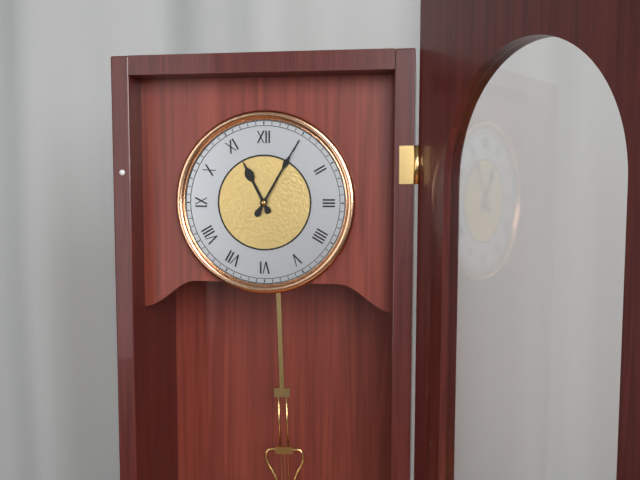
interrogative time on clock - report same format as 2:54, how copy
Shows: 11:05
